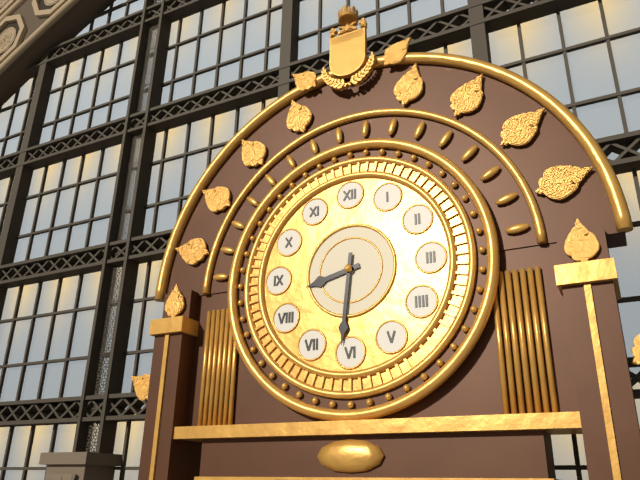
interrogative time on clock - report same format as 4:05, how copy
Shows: 8:31
